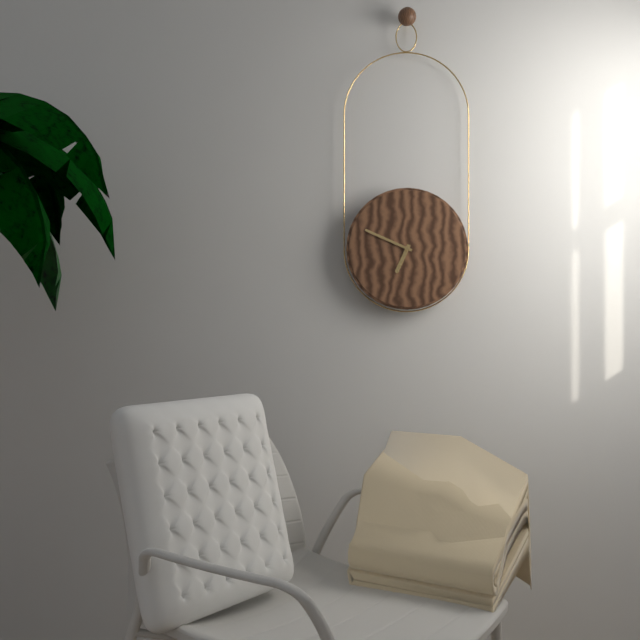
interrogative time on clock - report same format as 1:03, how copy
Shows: 6:49
